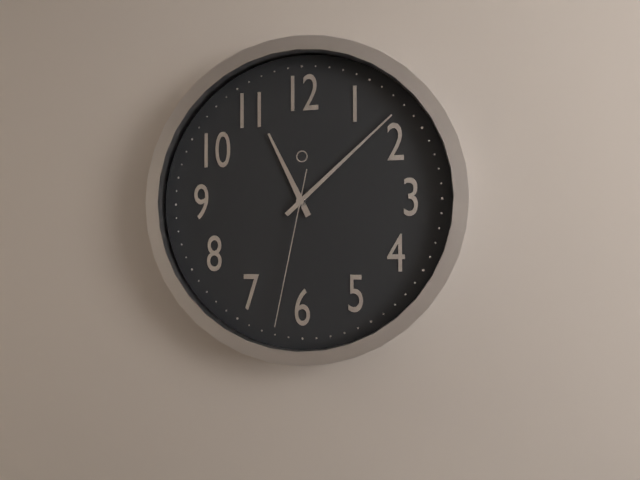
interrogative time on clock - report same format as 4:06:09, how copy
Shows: 11:08:32
